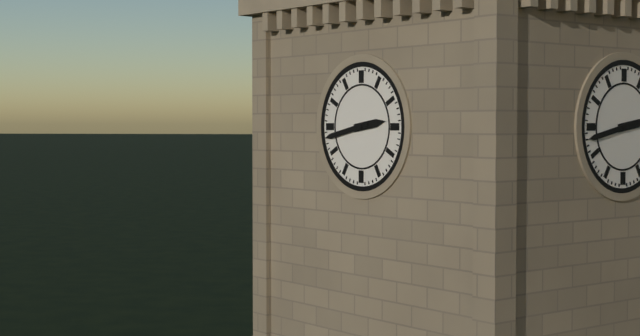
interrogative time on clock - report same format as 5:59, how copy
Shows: 2:43
